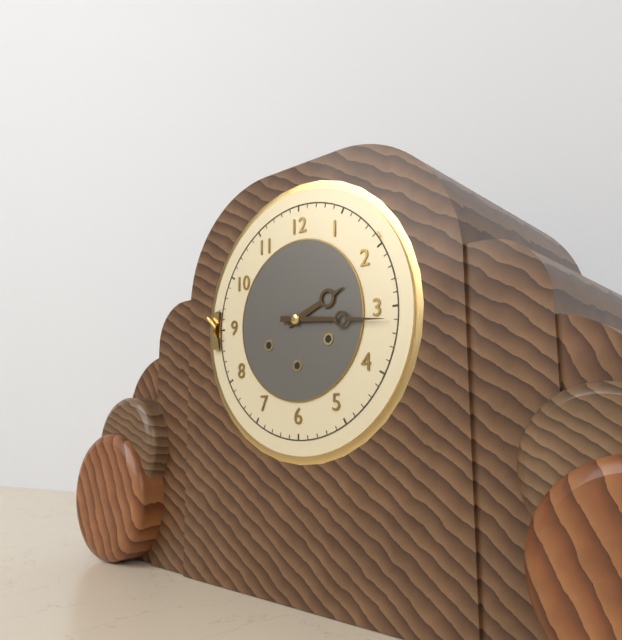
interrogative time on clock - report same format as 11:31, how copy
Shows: 2:16
